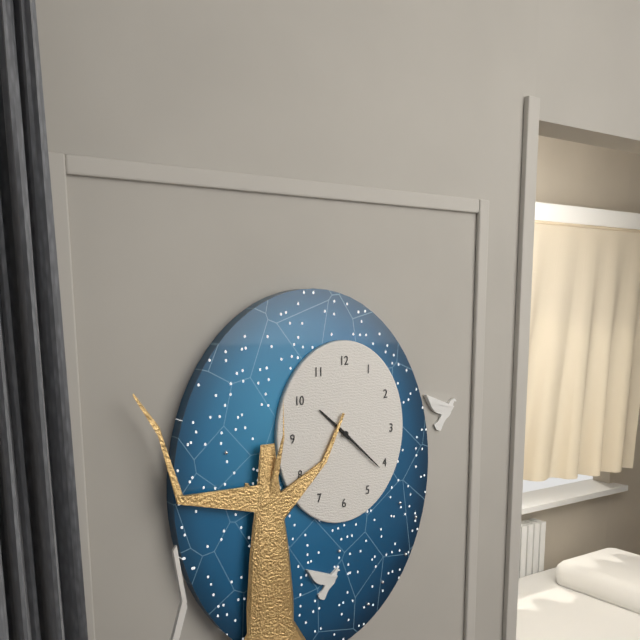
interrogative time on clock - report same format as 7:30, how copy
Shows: 10:22
